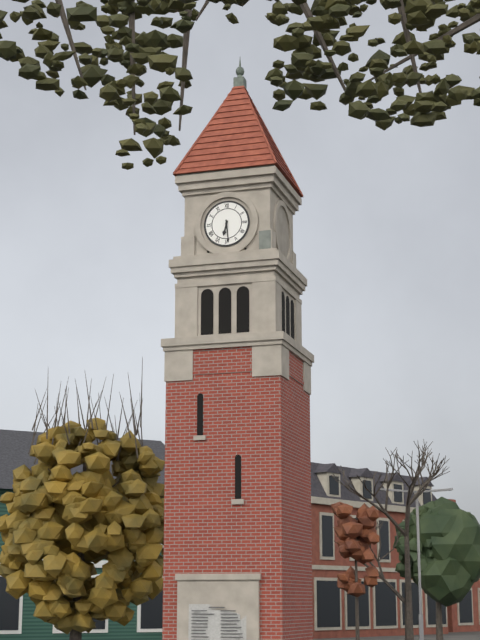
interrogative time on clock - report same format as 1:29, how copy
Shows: 6:29
